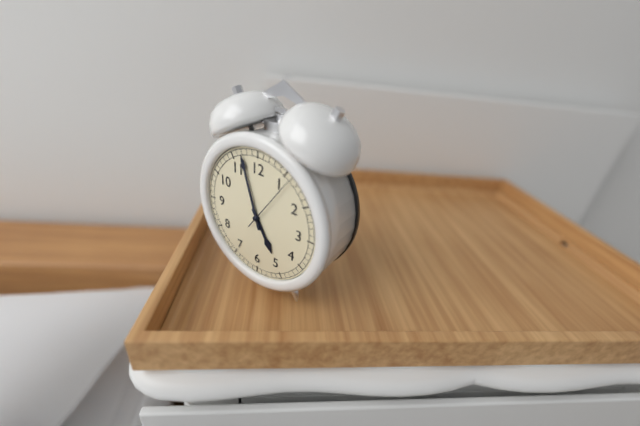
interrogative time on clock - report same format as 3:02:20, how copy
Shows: 4:57:06
